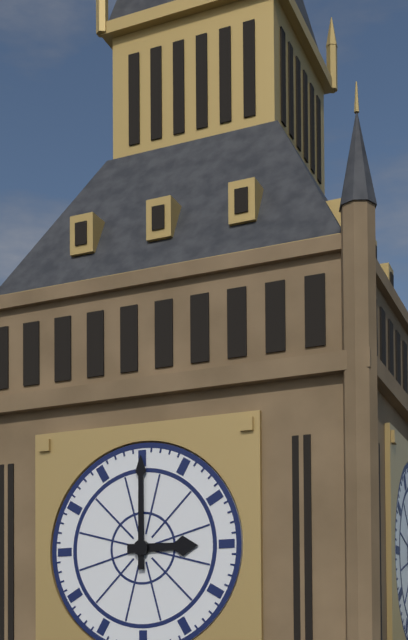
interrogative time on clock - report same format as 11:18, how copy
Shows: 3:00
